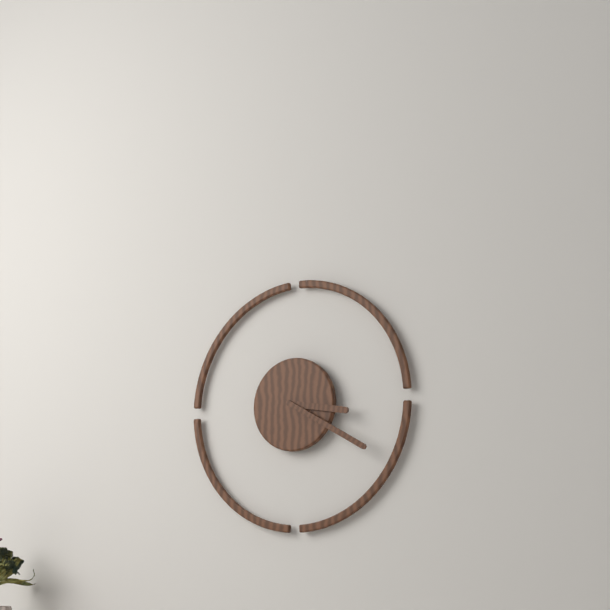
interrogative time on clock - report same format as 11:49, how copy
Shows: 3:20
